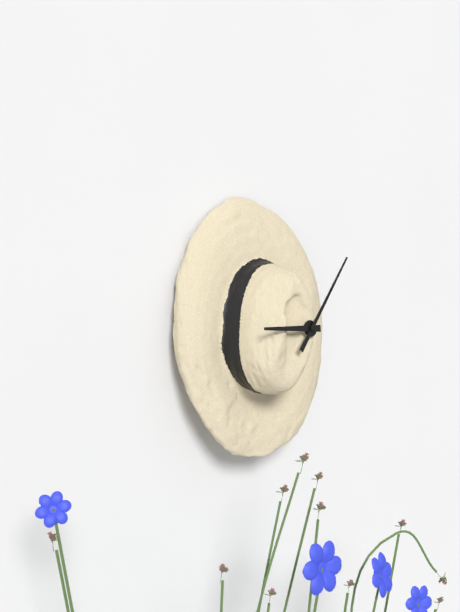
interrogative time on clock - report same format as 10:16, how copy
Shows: 9:07
